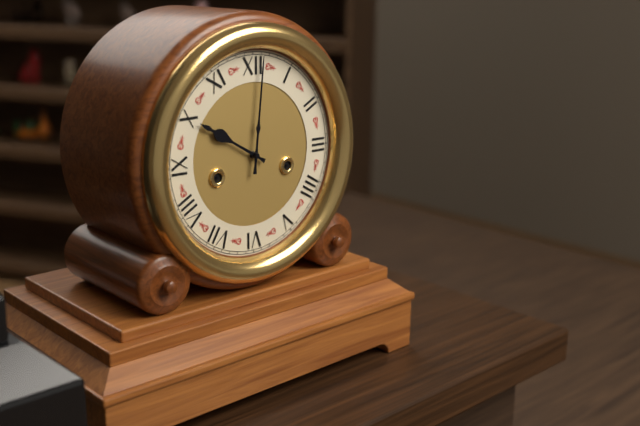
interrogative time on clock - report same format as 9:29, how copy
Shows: 10:01
